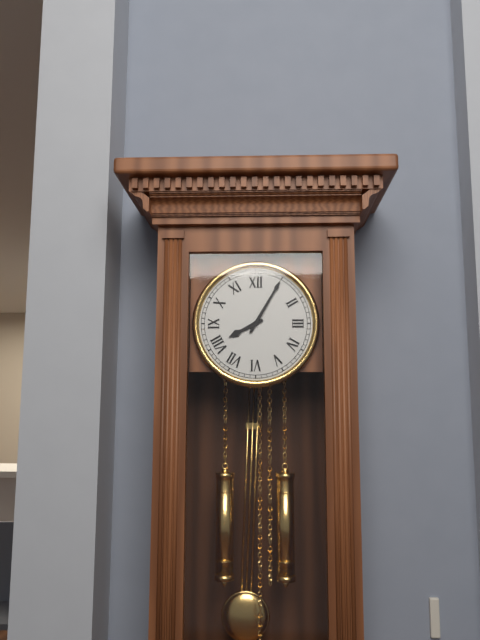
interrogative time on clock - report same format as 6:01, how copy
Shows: 8:05
